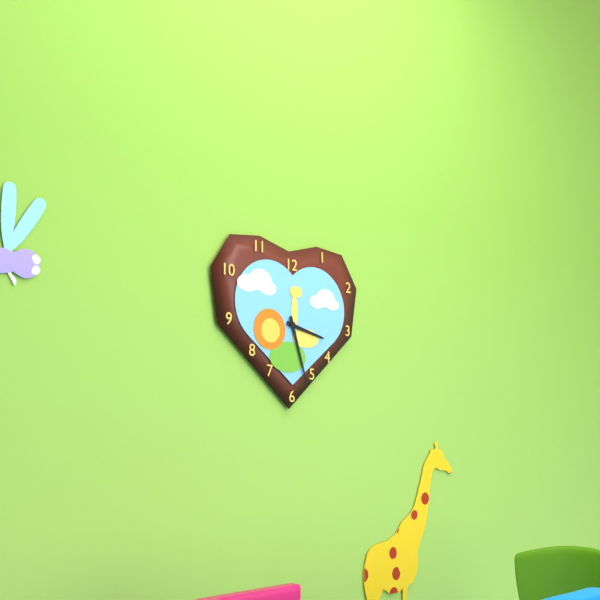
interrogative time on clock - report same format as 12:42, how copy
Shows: 3:27
